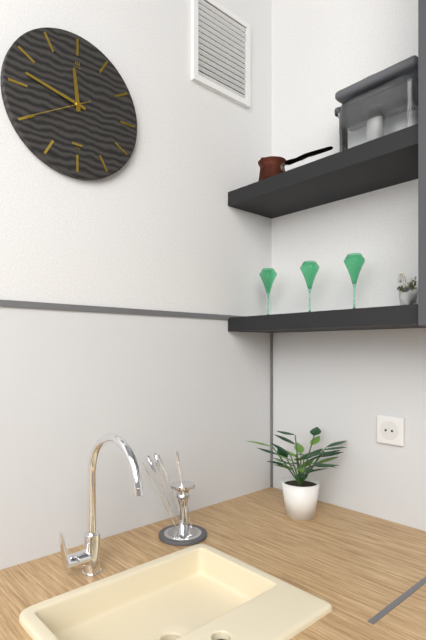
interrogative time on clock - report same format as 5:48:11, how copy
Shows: 11:47:40
